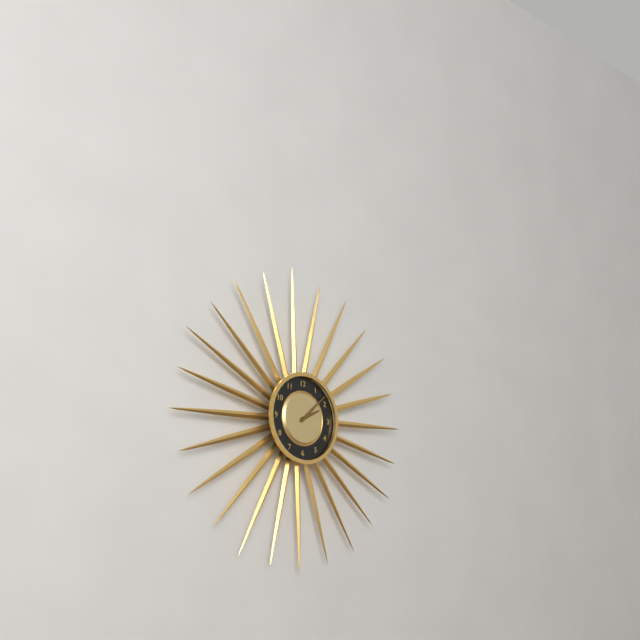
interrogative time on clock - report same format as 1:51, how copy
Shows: 2:08
